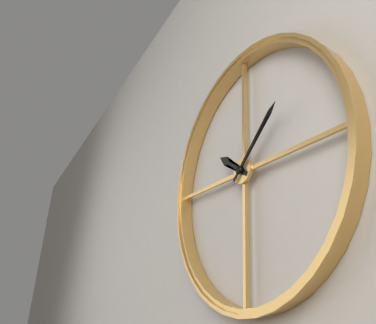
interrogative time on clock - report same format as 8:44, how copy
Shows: 10:08
